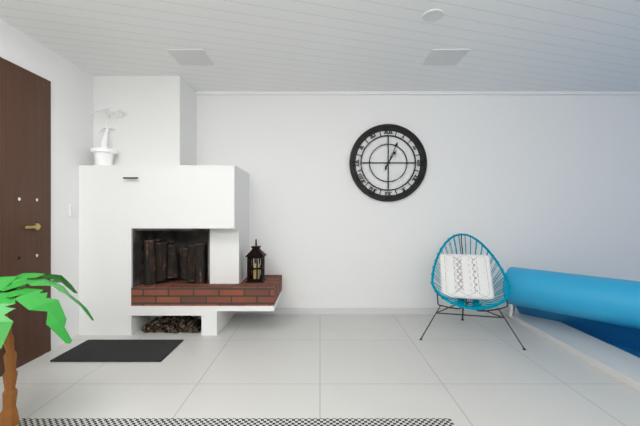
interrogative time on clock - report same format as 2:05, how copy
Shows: 1:04
